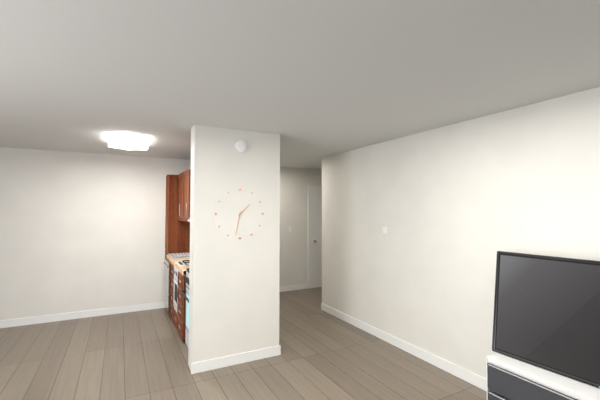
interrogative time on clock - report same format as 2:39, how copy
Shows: 1:32
